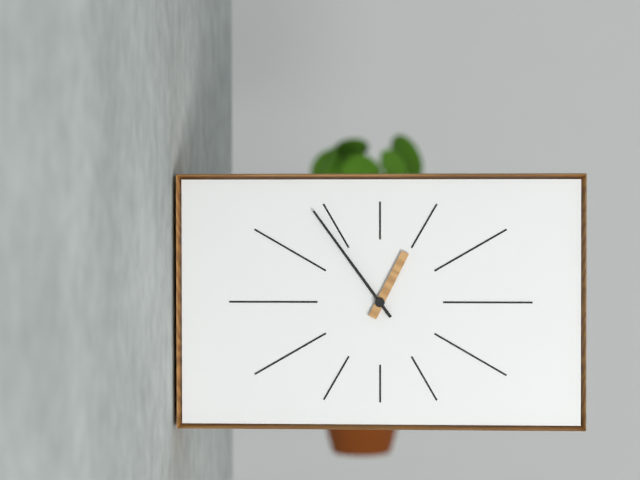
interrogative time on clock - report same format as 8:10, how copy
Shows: 12:54
